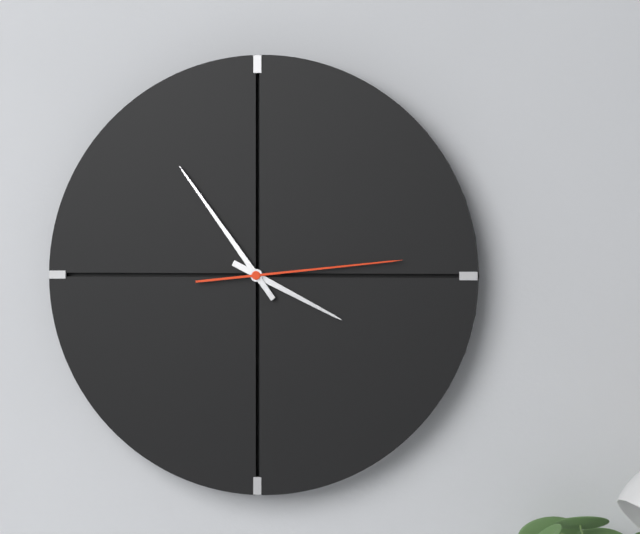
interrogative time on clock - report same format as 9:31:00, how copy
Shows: 3:54:14
